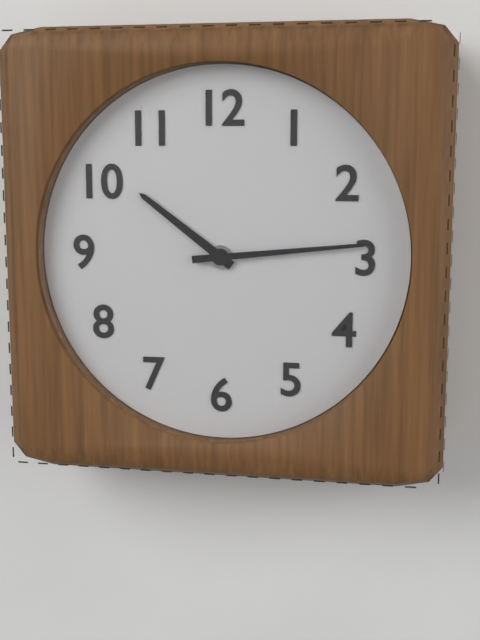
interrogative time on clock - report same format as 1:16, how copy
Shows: 10:14
